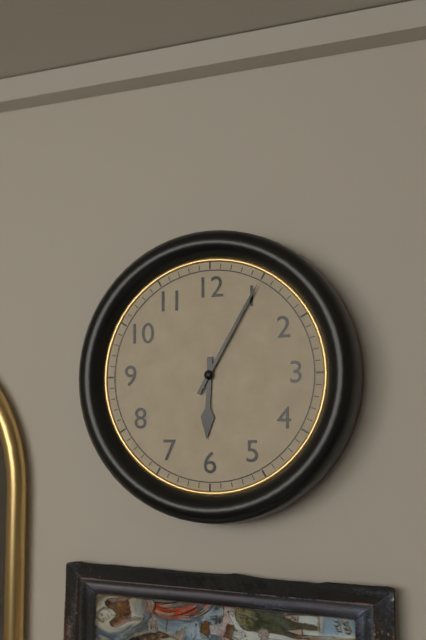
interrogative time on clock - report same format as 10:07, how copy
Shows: 6:05
